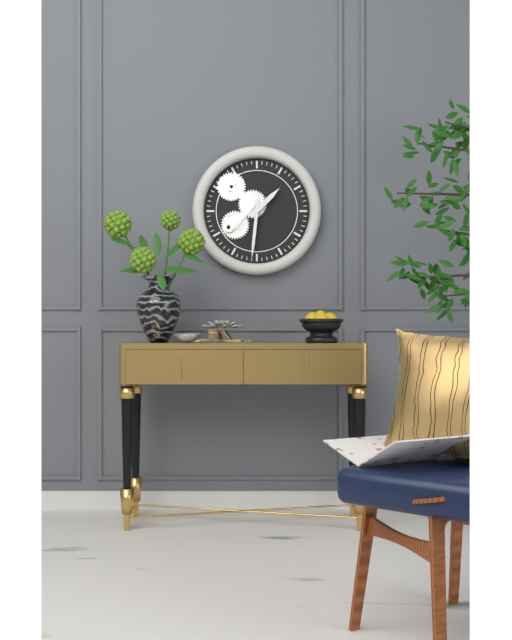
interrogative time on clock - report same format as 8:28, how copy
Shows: 1:31
